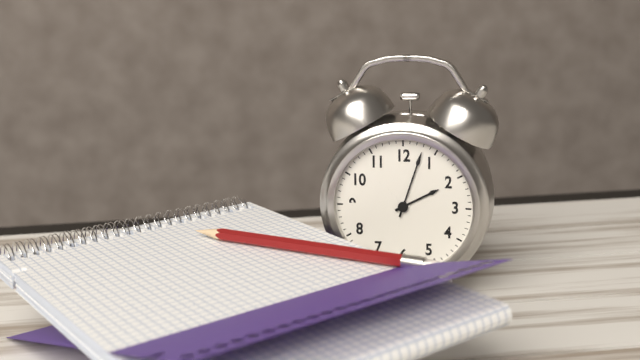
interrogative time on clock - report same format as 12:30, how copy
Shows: 2:03
